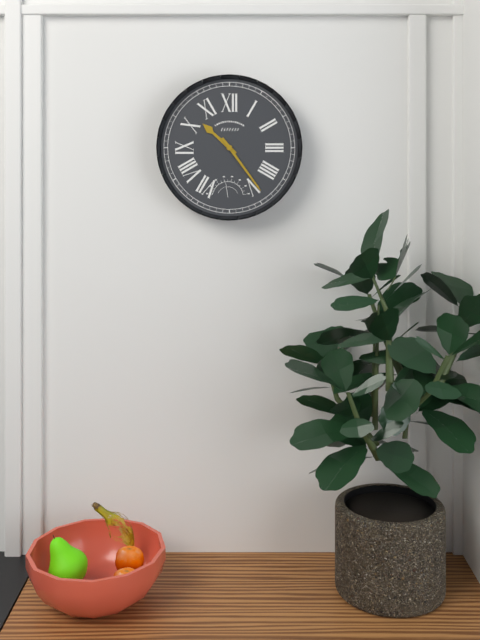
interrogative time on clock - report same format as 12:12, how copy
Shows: 10:24
